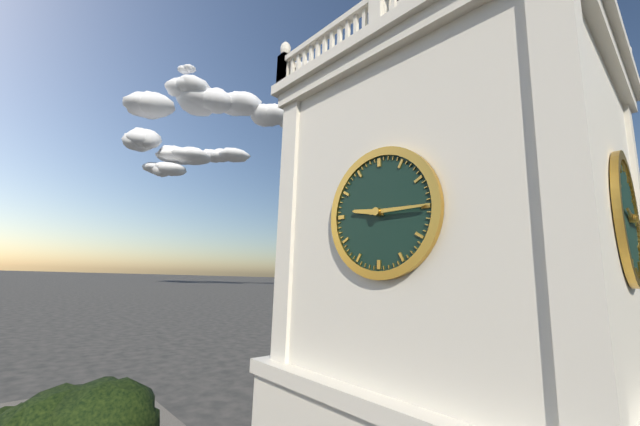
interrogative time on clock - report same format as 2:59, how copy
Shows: 9:15
